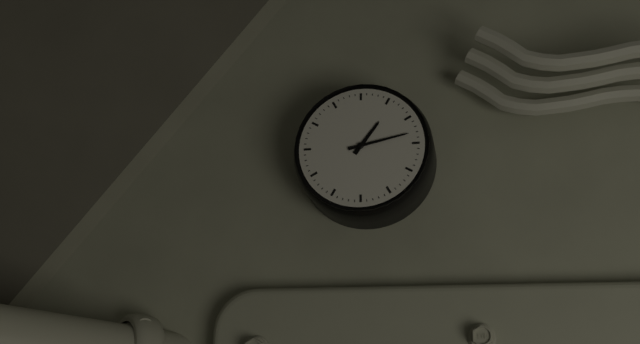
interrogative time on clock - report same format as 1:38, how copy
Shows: 1:13
